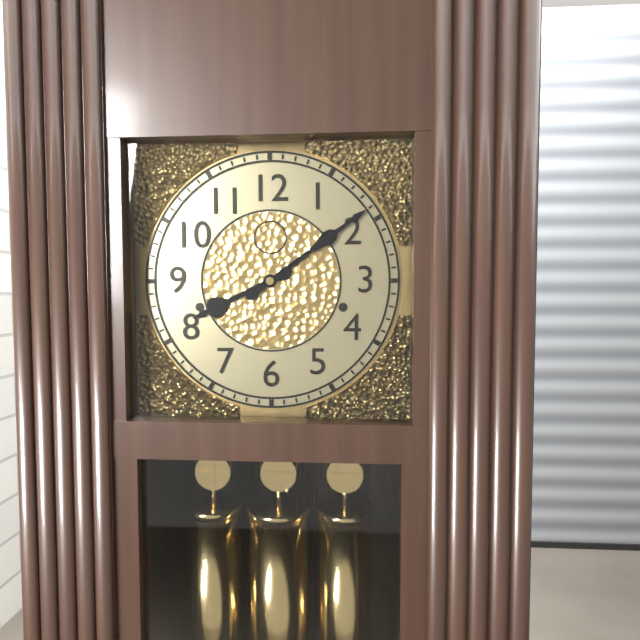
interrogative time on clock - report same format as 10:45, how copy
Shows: 8:09
